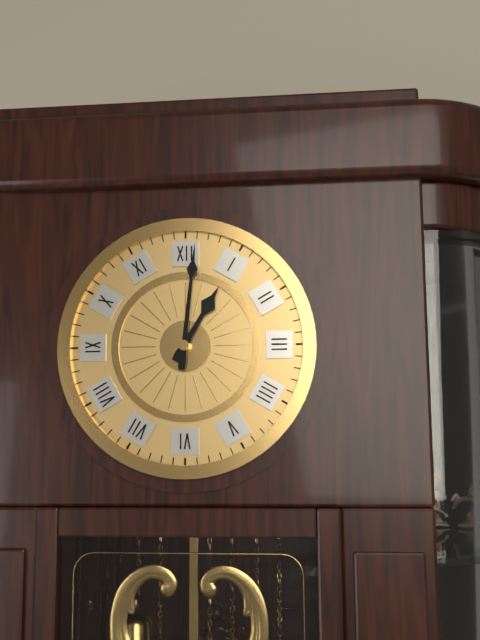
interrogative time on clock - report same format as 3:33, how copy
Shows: 1:01
